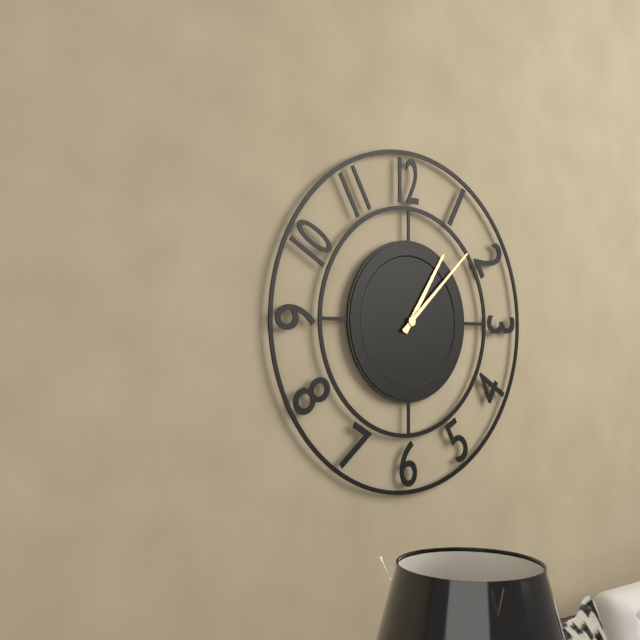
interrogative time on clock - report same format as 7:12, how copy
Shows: 1:08
